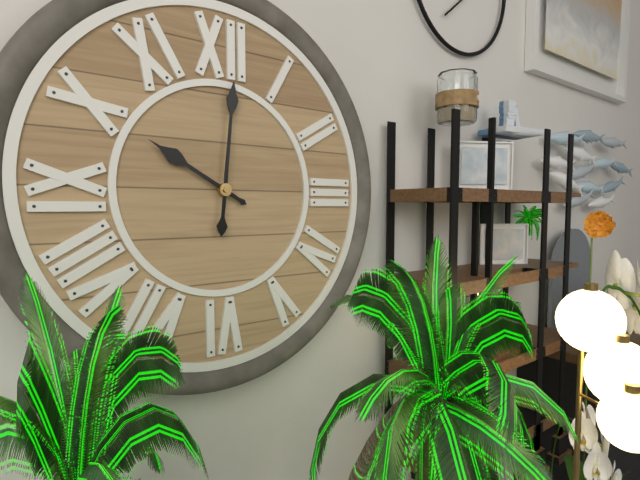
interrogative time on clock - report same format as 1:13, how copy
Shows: 10:01
